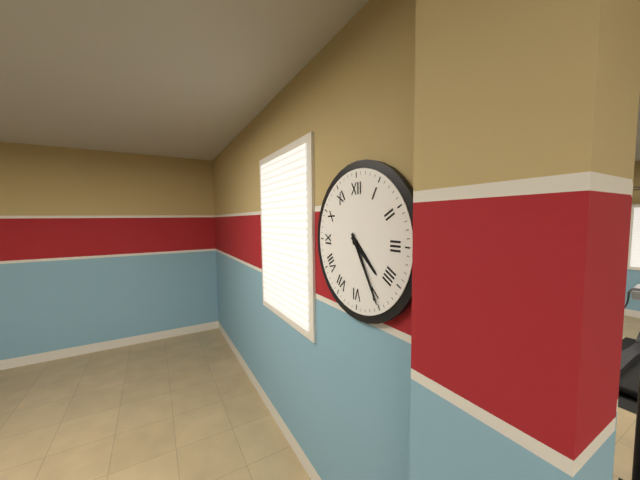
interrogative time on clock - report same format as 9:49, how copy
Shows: 4:25
